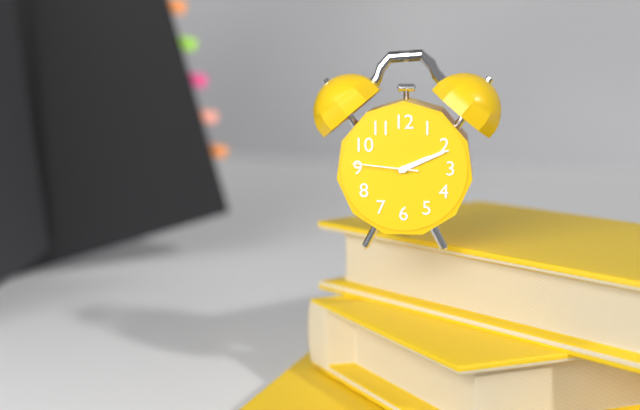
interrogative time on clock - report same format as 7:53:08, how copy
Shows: 2:11:46
